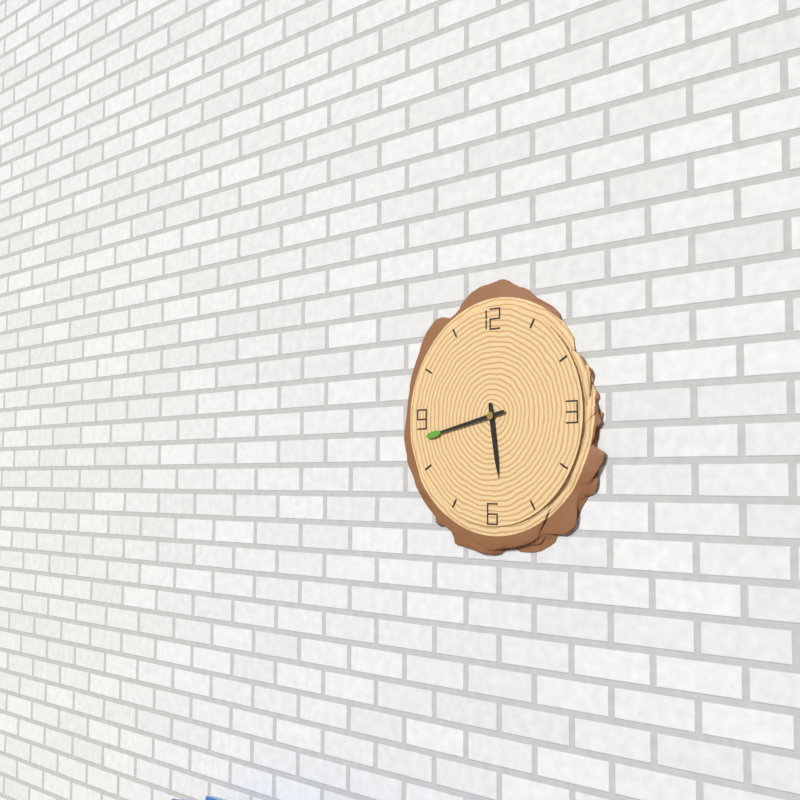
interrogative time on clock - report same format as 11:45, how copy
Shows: 5:43
